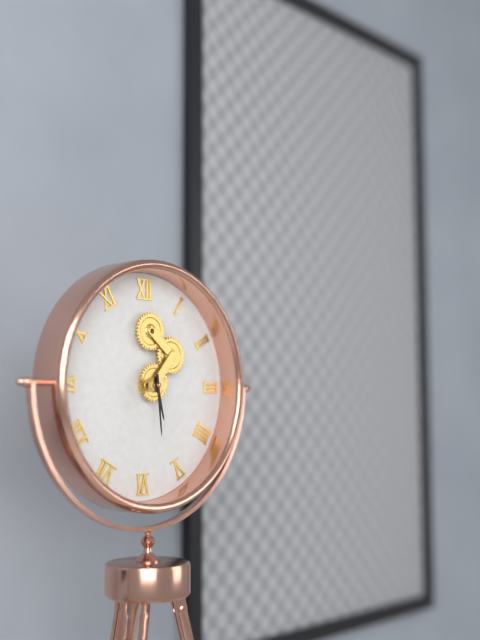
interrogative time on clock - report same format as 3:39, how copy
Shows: 5:29
